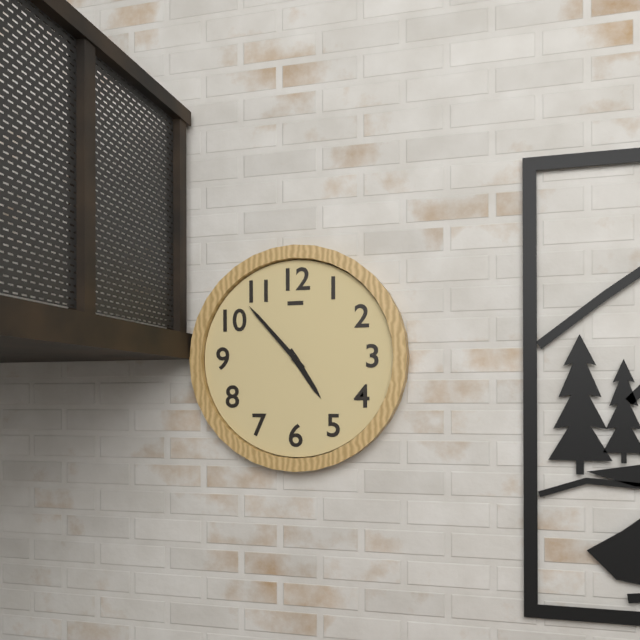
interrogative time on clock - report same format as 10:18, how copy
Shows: 4:53
